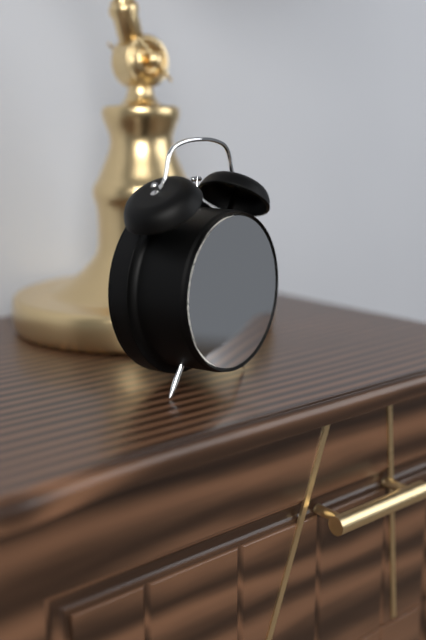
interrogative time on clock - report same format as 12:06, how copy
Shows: 11:45
